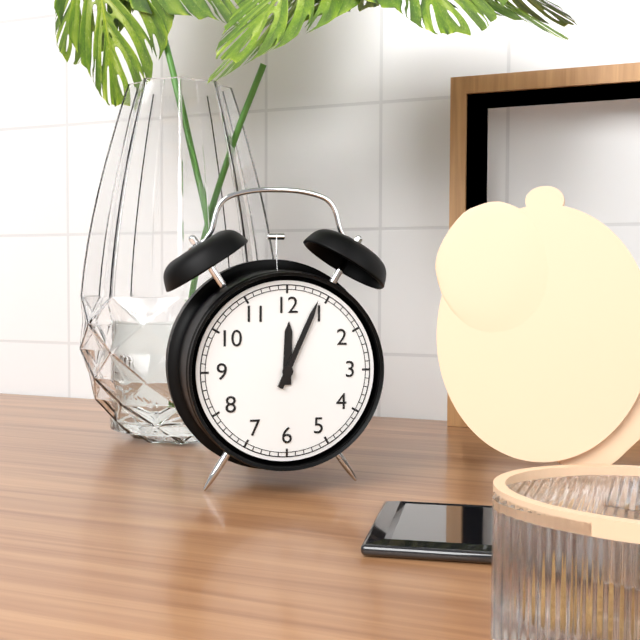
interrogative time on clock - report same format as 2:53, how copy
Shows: 12:04
